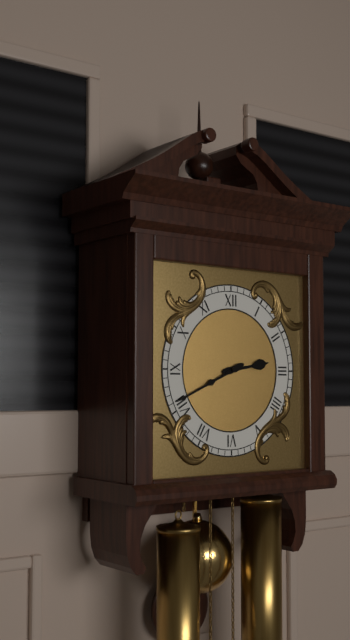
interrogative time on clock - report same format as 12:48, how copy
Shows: 2:41
